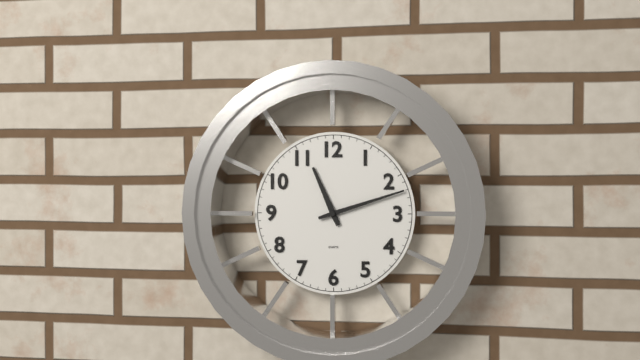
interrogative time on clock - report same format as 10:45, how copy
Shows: 11:12
